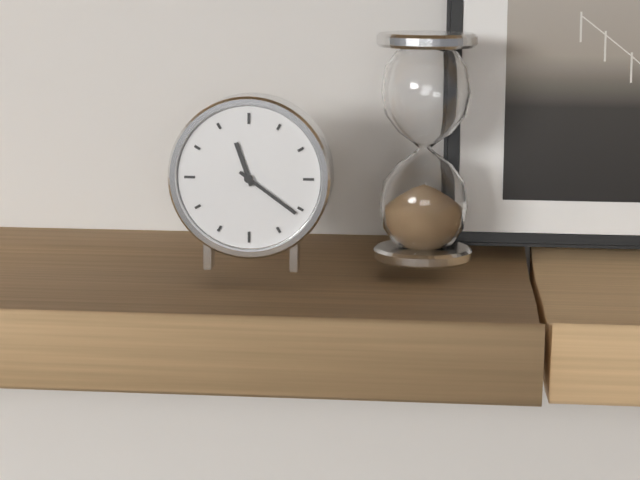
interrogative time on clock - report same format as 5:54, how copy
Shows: 11:21
